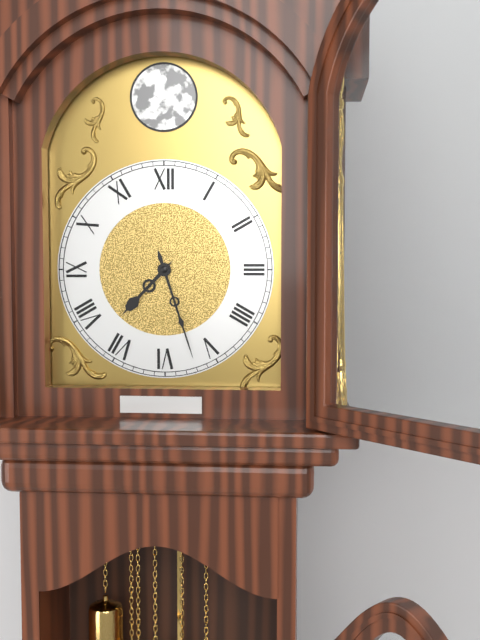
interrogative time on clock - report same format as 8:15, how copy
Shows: 7:27
